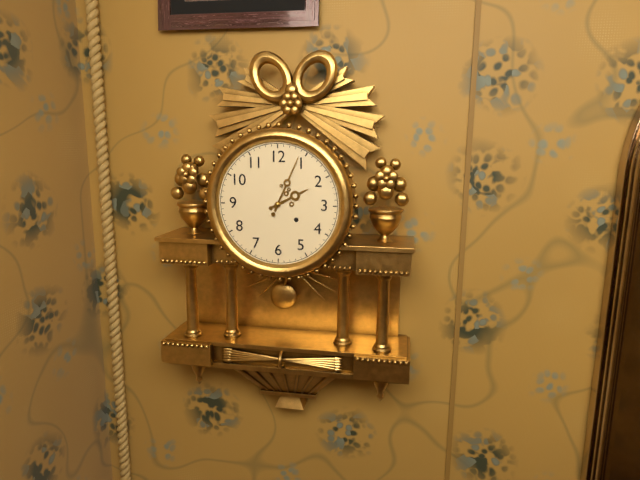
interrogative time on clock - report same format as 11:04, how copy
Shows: 2:04
